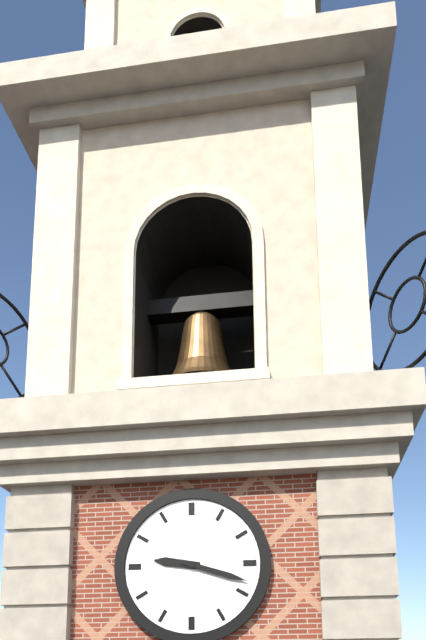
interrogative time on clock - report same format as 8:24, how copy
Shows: 9:18
